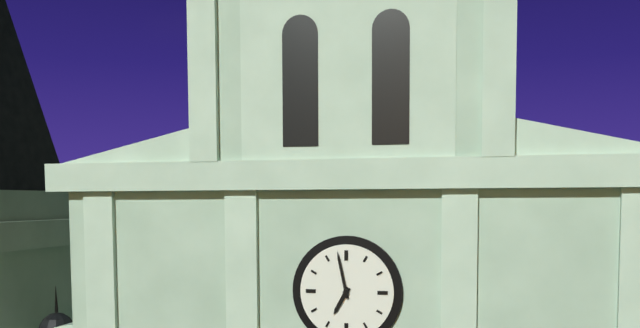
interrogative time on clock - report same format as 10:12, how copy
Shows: 6:58
